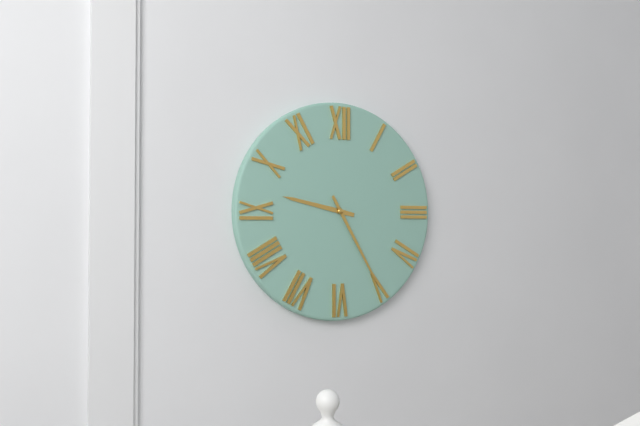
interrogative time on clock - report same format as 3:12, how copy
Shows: 9:25
